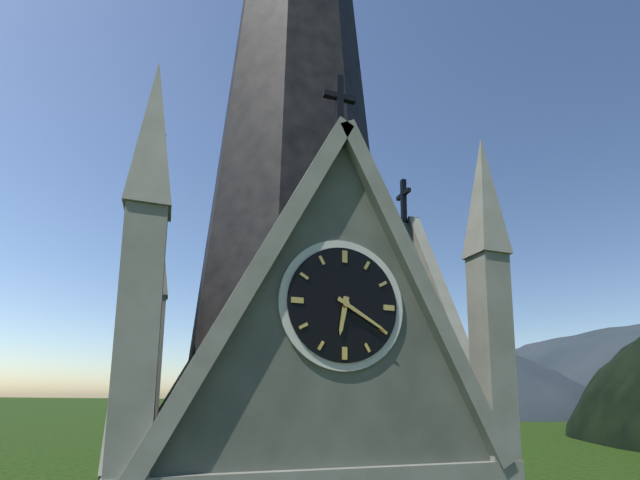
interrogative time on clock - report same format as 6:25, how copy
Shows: 6:20
